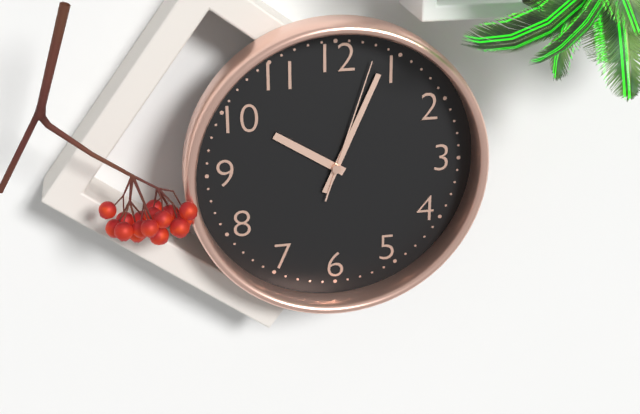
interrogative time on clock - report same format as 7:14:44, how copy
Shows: 10:04:03
